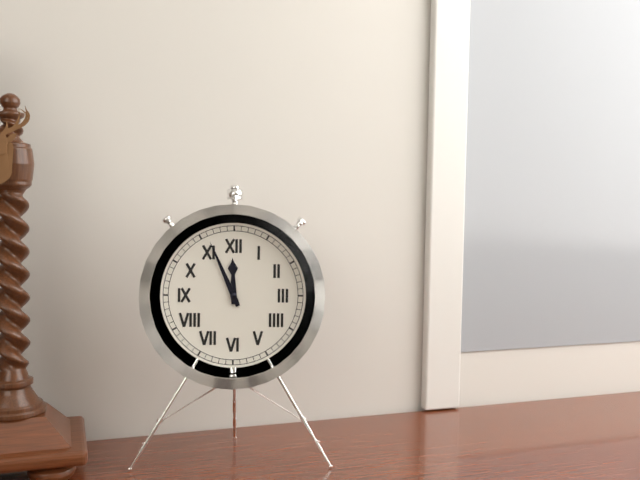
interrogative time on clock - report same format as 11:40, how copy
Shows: 11:56
